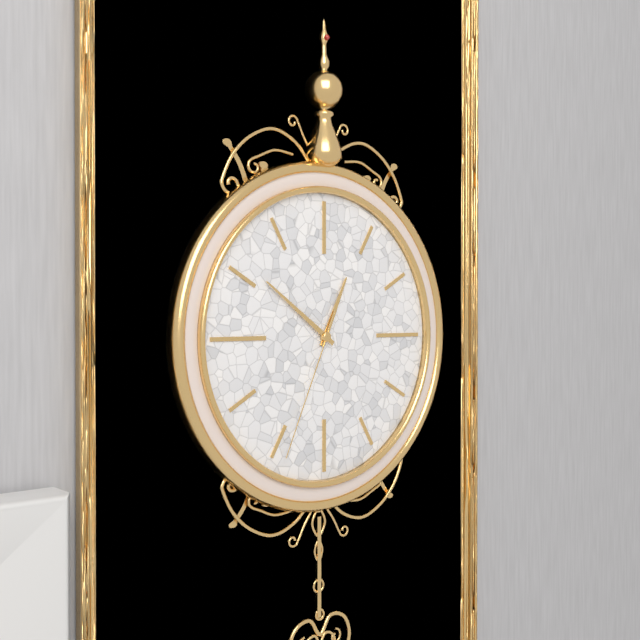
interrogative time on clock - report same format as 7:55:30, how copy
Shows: 12:51:34
